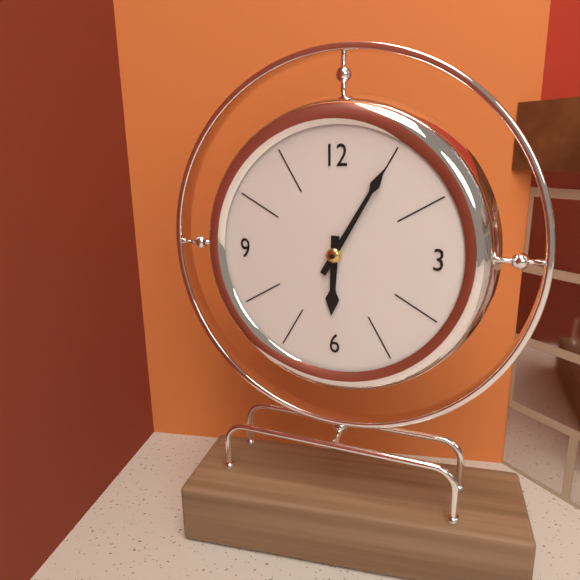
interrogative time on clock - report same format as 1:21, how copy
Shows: 6:05
